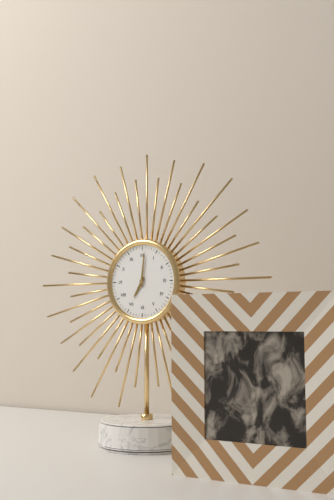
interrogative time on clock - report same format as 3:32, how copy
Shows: 7:01
